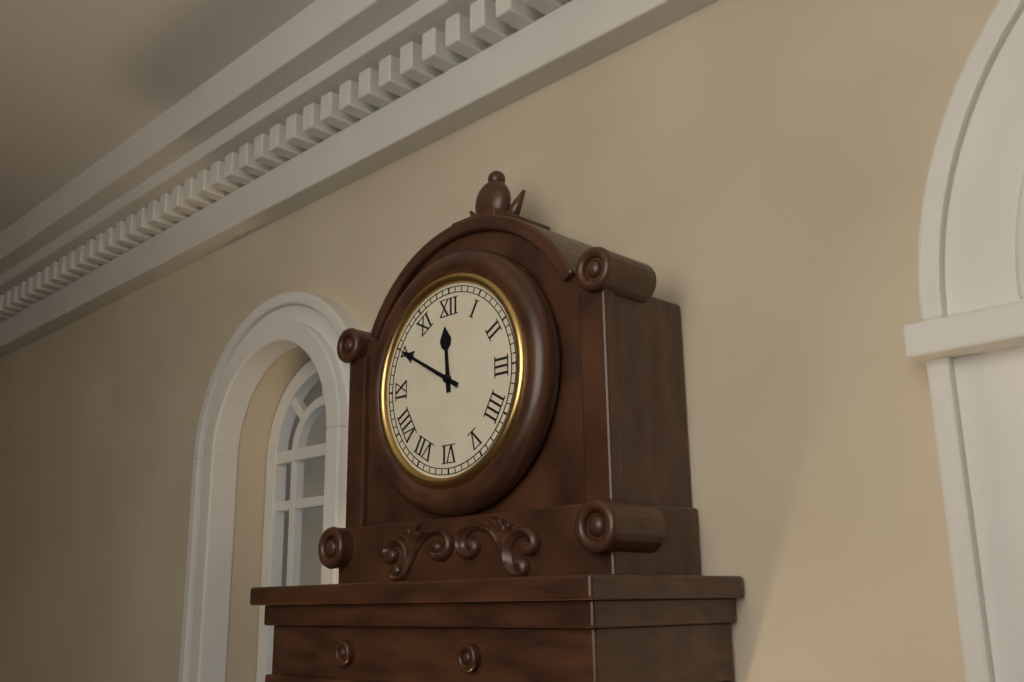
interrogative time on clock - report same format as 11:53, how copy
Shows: 11:50
